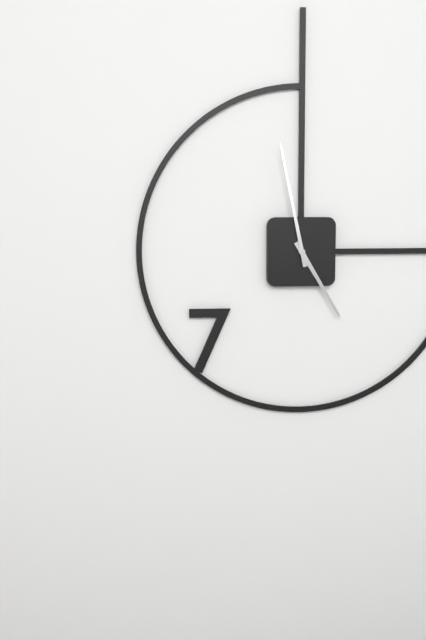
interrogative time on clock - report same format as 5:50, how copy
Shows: 4:58
